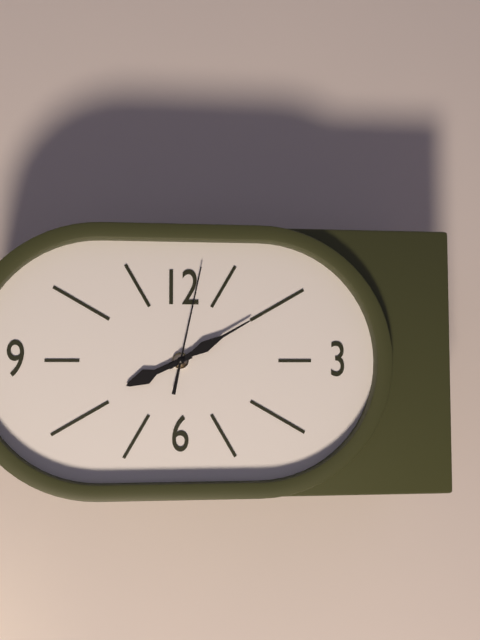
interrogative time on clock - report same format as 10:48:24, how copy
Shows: 8:10:02
